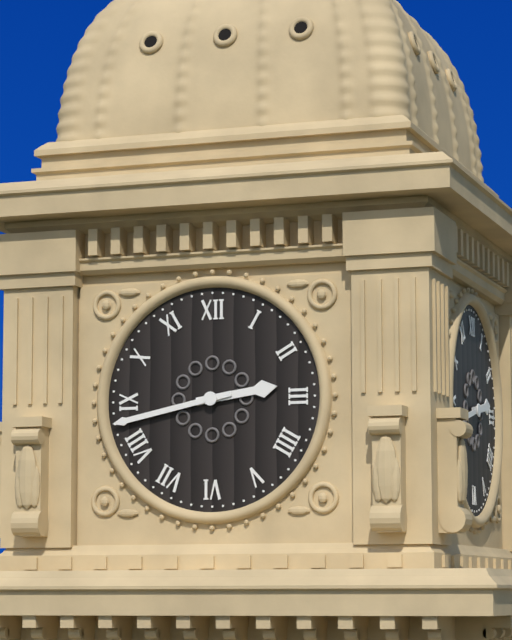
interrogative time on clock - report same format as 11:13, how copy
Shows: 2:43
